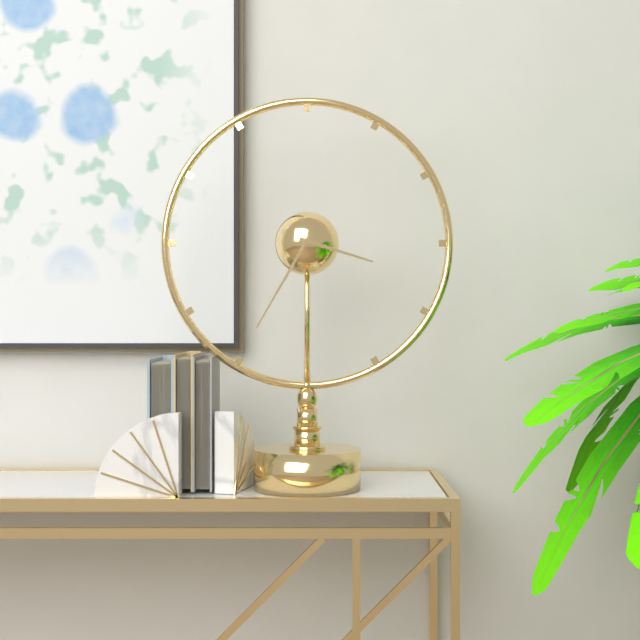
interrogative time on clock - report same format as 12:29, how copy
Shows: 3:35
